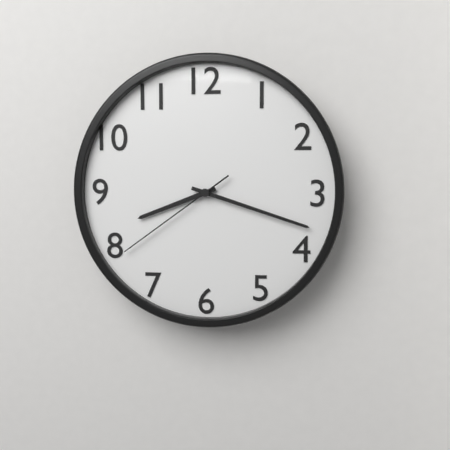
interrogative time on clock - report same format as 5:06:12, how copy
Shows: 8:18:39
